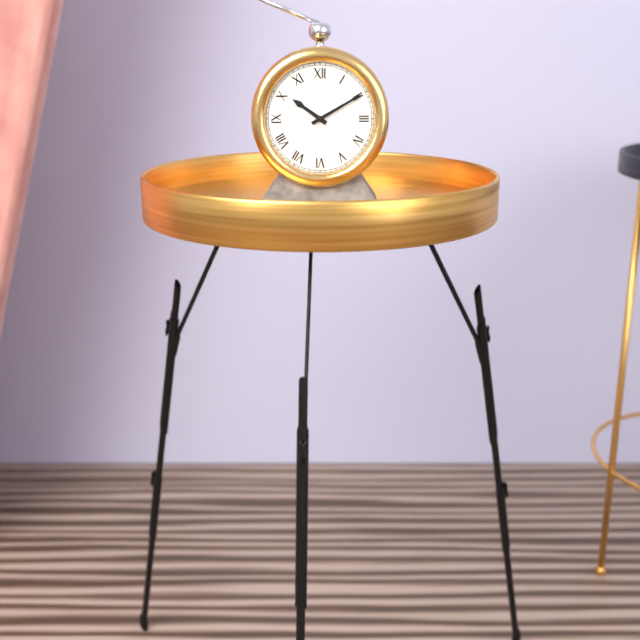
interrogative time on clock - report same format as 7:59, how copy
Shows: 10:10
